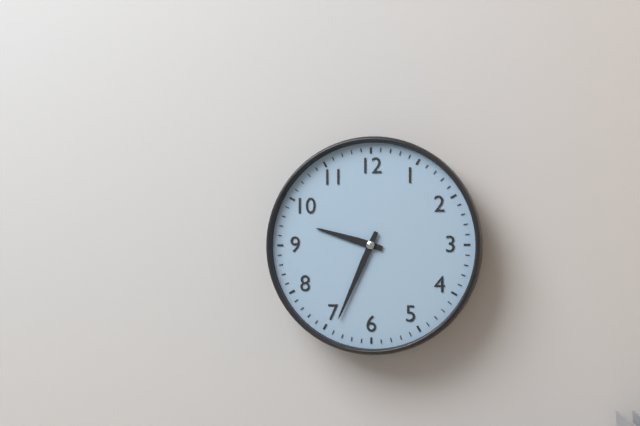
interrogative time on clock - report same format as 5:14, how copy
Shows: 9:34
